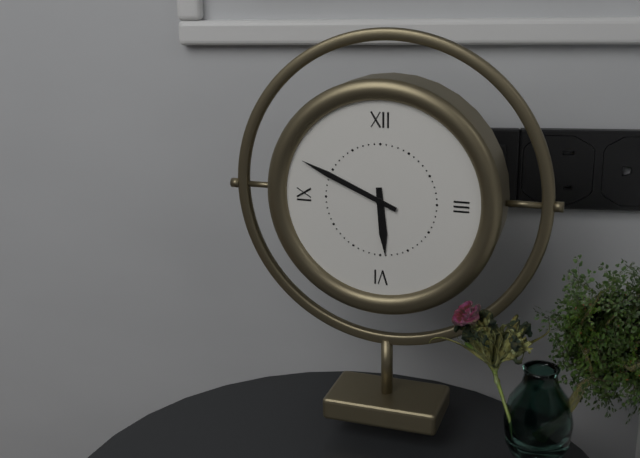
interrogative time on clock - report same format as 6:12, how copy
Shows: 5:49
